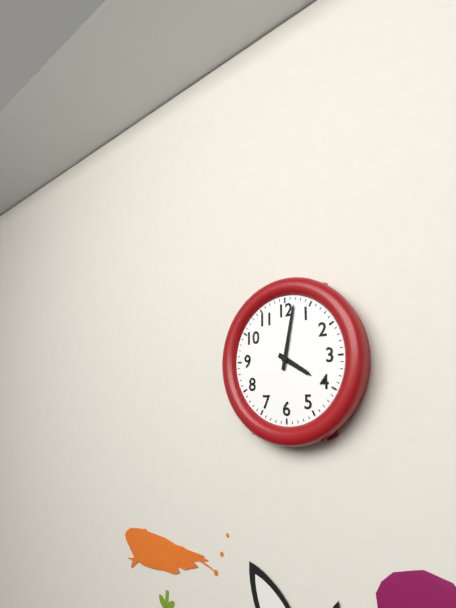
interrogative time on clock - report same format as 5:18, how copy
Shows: 4:02
